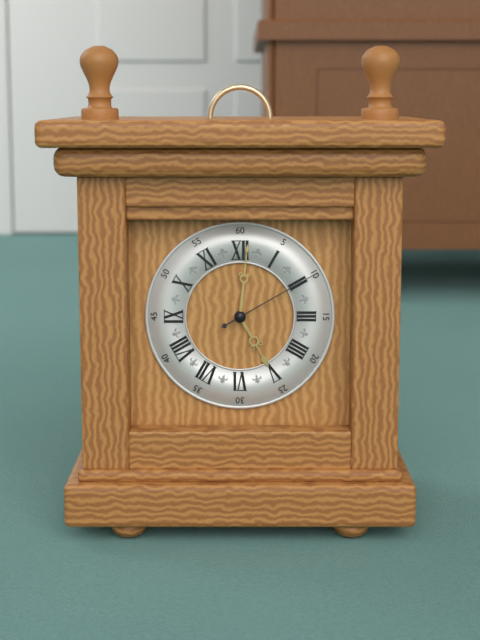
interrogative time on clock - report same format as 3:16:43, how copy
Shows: 5:01:10
